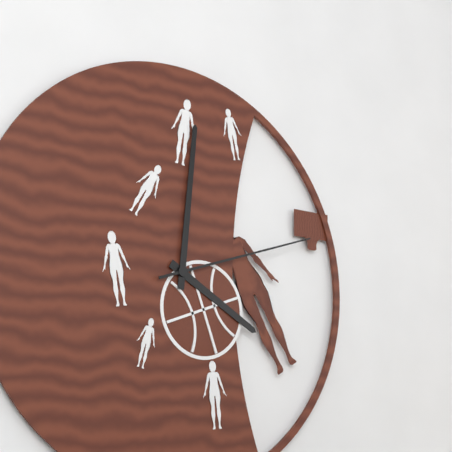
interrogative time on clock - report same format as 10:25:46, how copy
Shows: 4:01:12
